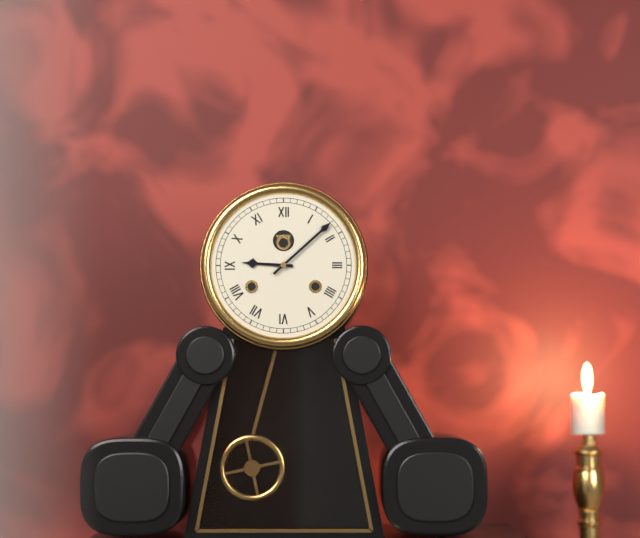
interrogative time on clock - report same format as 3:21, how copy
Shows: 9:08
